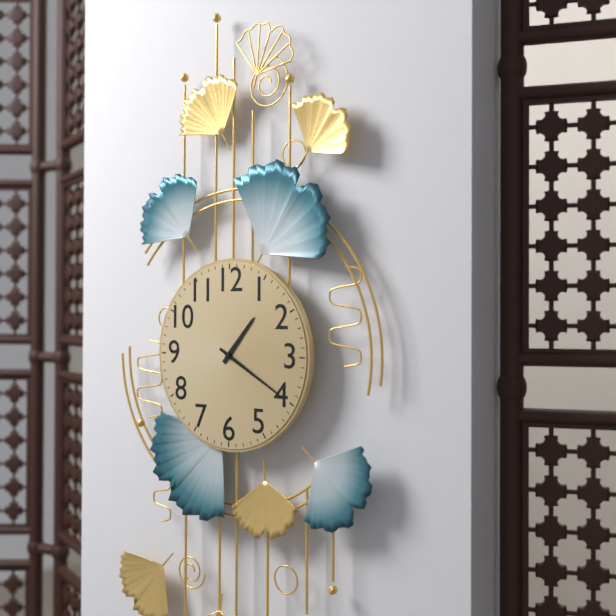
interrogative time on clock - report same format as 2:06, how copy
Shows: 1:20
